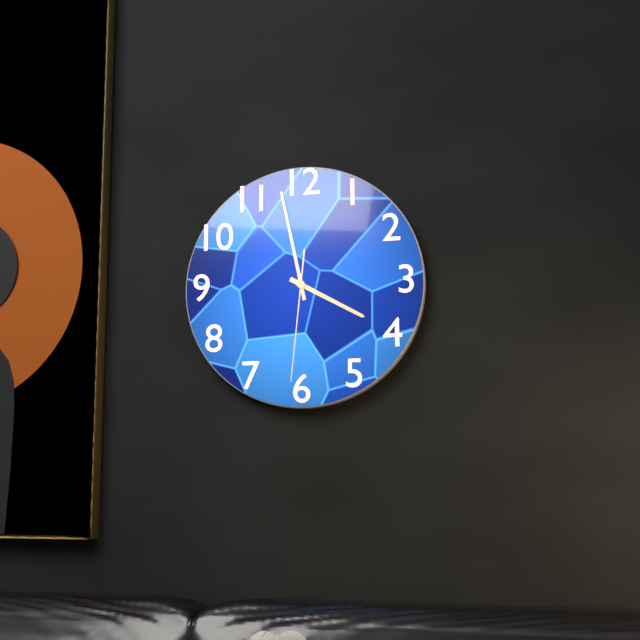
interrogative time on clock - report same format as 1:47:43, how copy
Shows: 3:58:31
